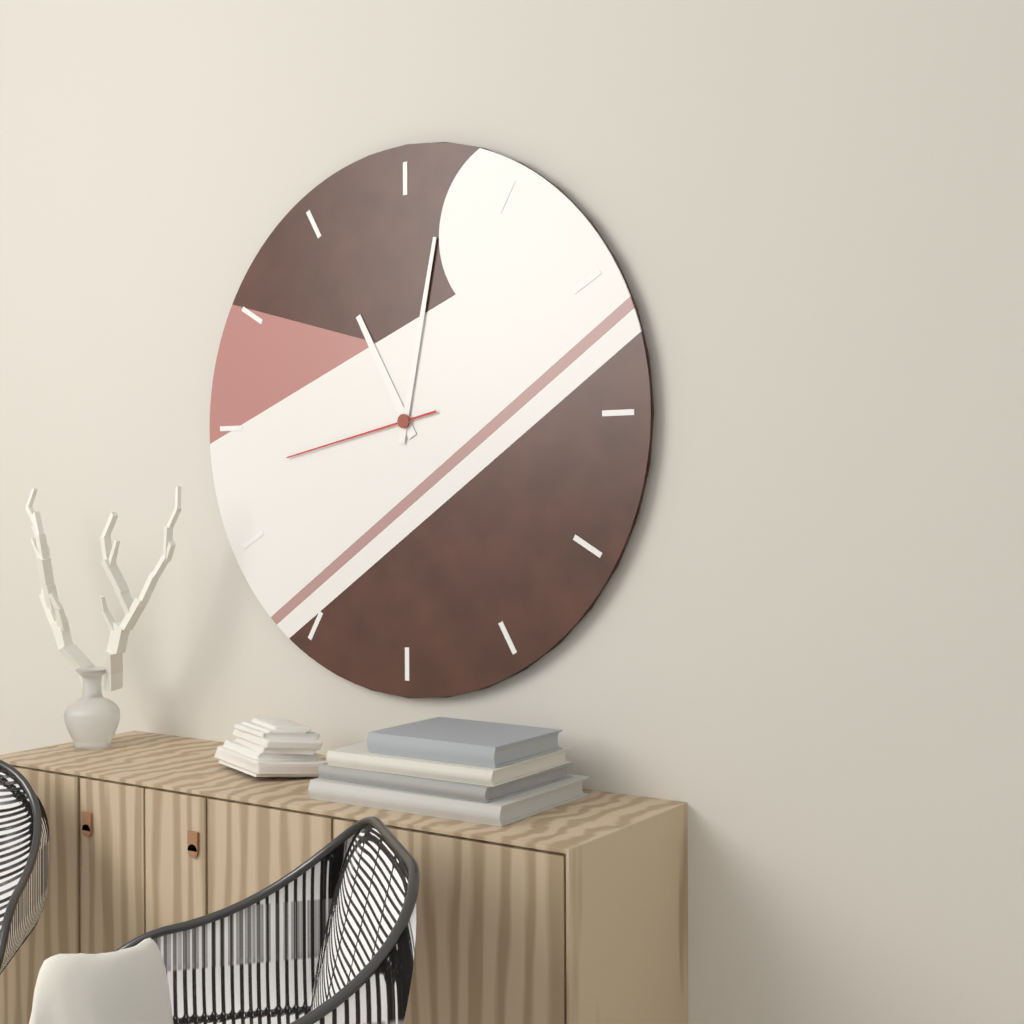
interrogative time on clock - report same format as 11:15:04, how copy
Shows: 11:02:43
